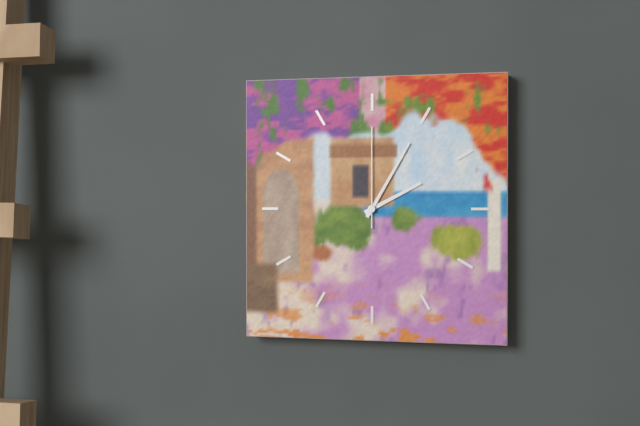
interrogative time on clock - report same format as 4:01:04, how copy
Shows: 2:05:00
